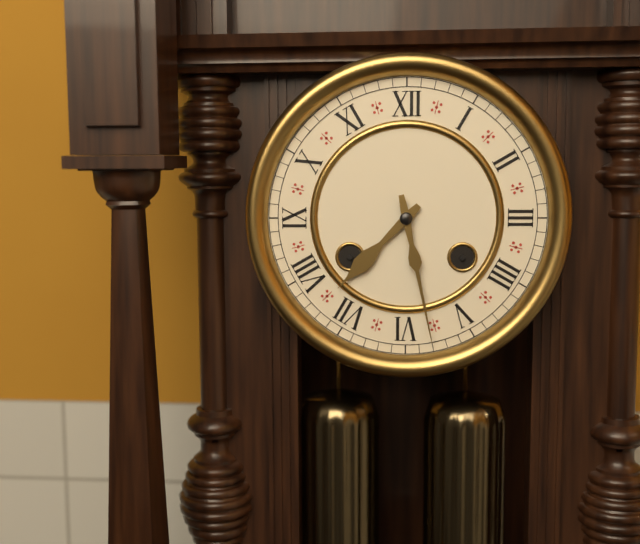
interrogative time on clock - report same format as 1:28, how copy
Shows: 7:28
